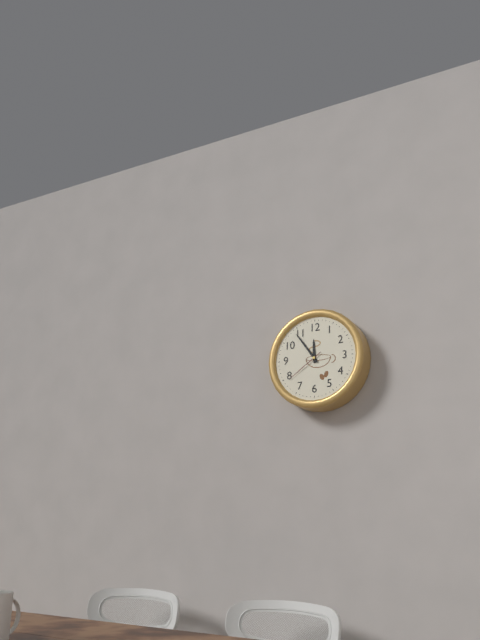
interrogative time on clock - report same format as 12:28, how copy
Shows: 11:54
